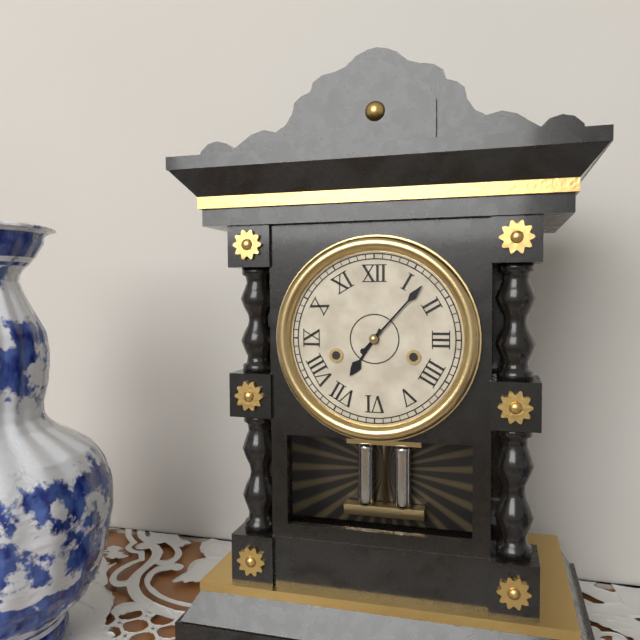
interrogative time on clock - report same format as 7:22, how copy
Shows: 7:07
